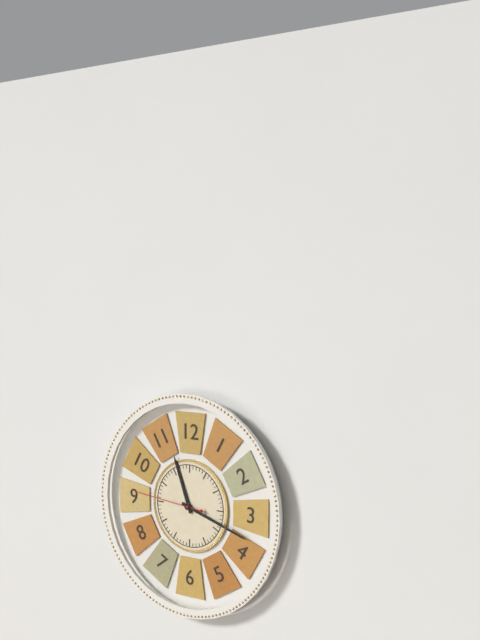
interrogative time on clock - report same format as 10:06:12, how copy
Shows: 11:18:46
